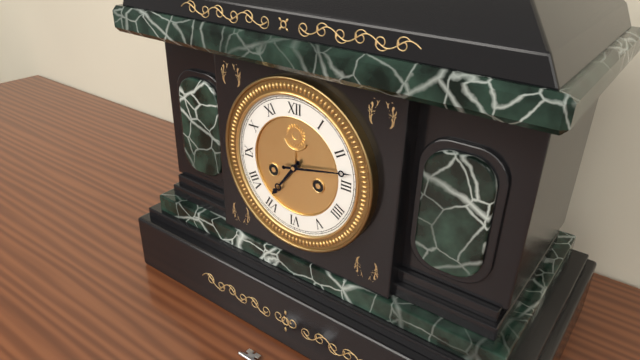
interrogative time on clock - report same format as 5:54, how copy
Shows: 7:13
